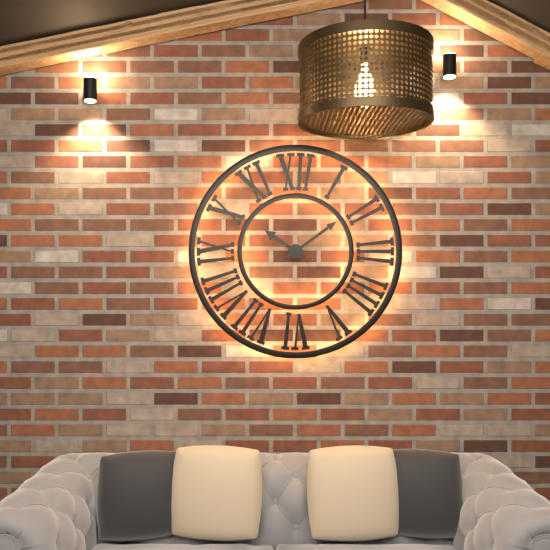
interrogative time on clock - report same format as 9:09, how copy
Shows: 10:09
